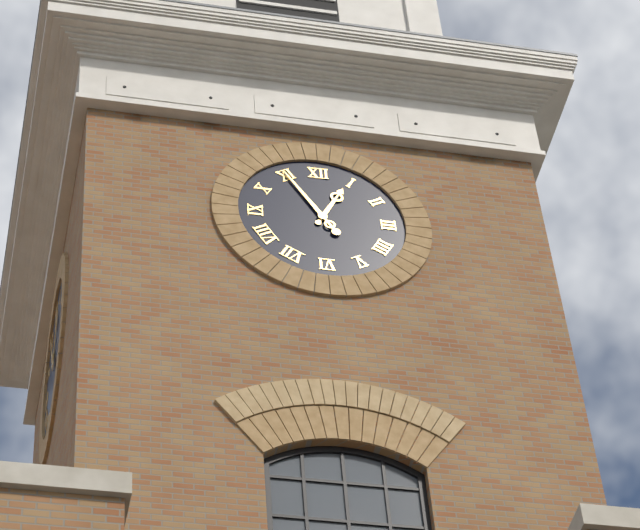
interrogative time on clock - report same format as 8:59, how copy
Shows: 12:55
